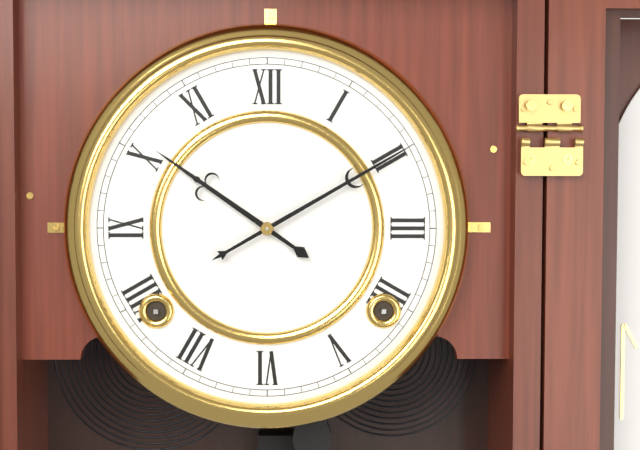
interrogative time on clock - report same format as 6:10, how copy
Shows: 10:10
